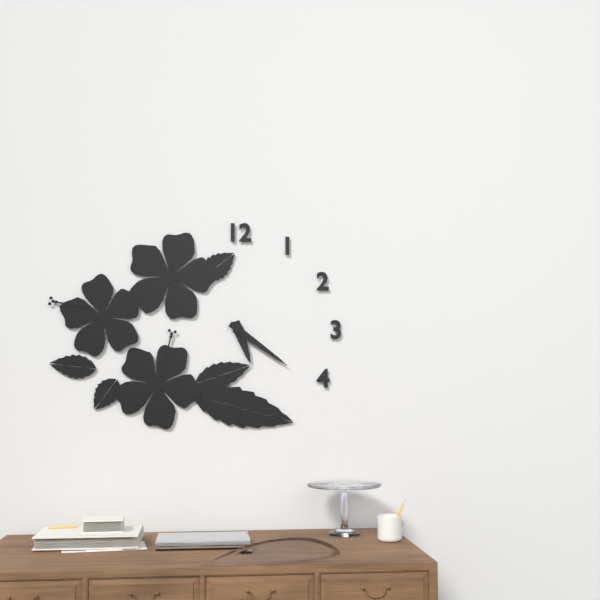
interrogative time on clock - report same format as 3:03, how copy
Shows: 5:21
